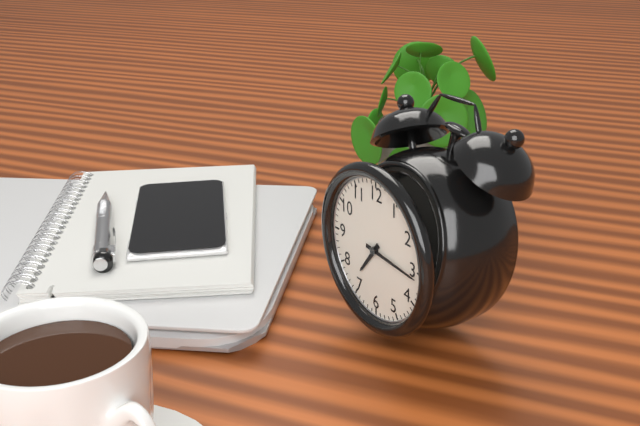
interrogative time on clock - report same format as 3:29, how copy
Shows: 7:16
